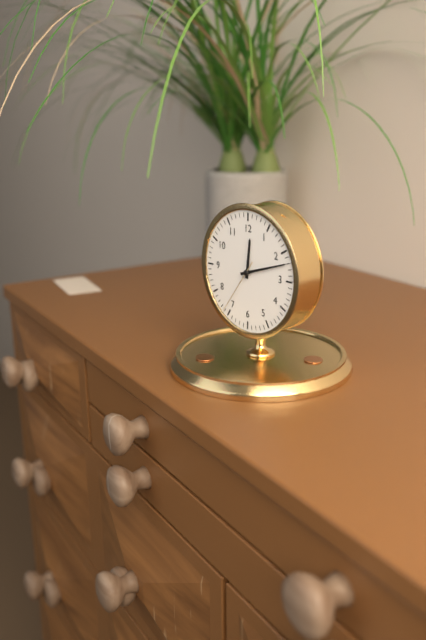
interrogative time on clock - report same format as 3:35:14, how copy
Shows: 12:12:36
